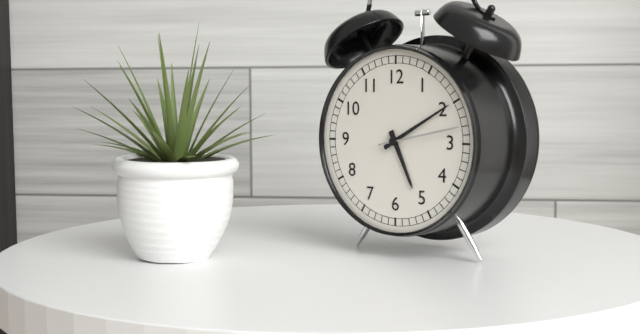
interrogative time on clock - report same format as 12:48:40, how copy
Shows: 5:10:13
